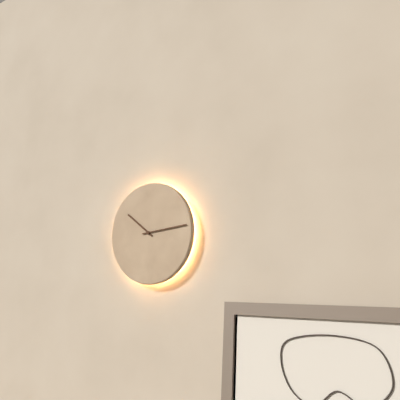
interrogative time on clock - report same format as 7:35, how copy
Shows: 10:14
